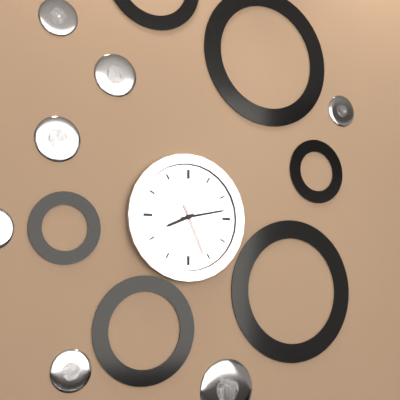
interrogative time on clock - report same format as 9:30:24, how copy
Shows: 8:13:26
